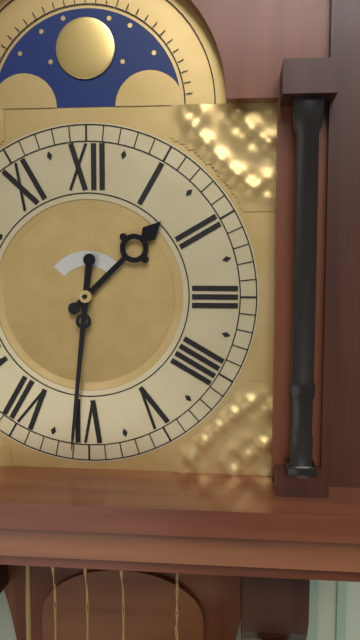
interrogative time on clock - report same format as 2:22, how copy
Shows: 1:31
